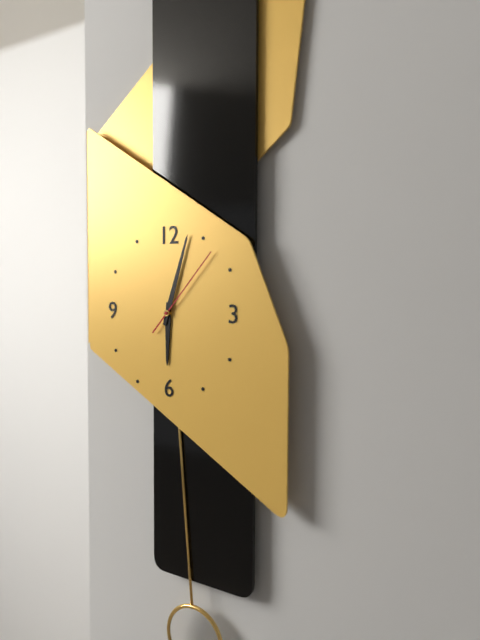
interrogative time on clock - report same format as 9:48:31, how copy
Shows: 6:03:07
